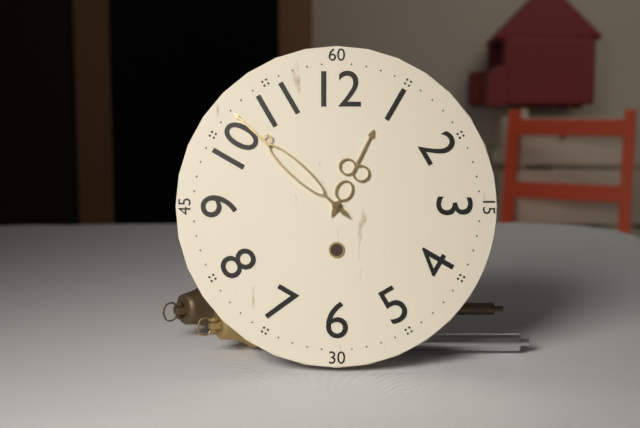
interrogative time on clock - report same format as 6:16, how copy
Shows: 12:52
